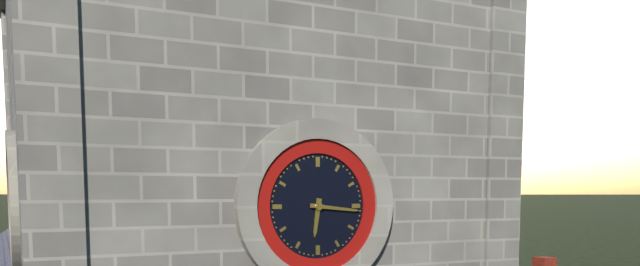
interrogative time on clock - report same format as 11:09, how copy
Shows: 6:16
